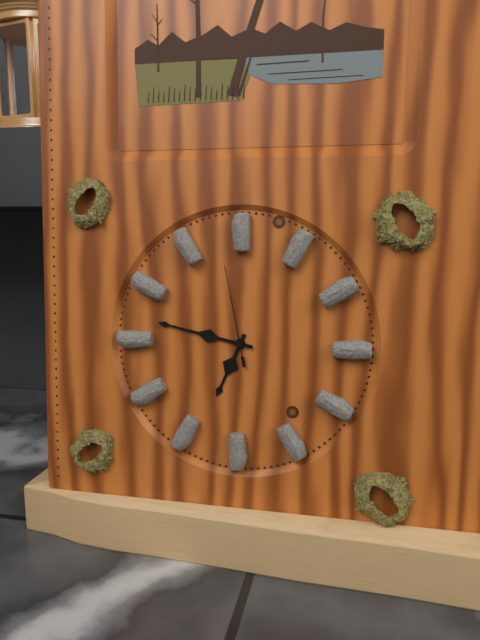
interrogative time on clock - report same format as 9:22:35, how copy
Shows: 6:47:58
